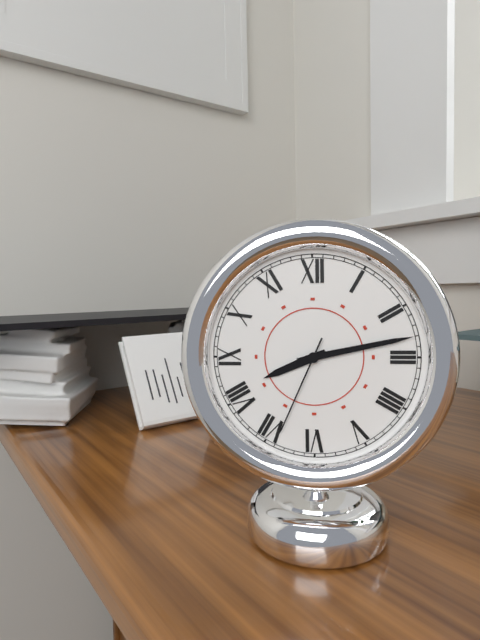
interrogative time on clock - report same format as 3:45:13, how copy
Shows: 8:13:34
